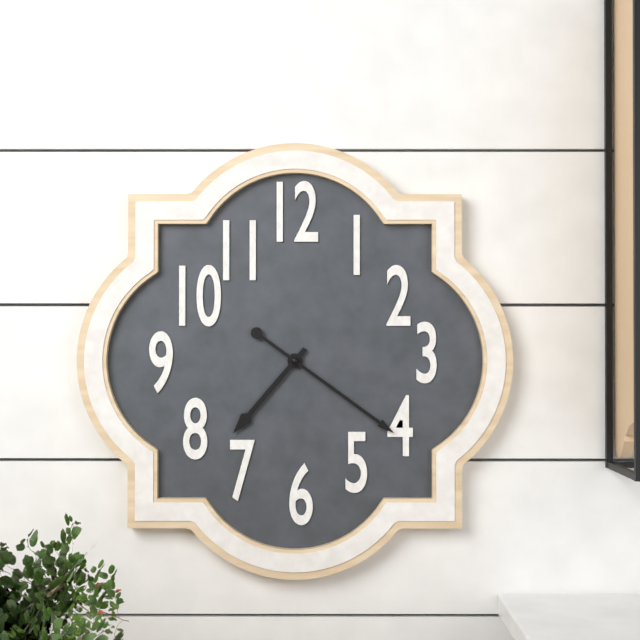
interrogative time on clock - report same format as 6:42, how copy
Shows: 7:21
